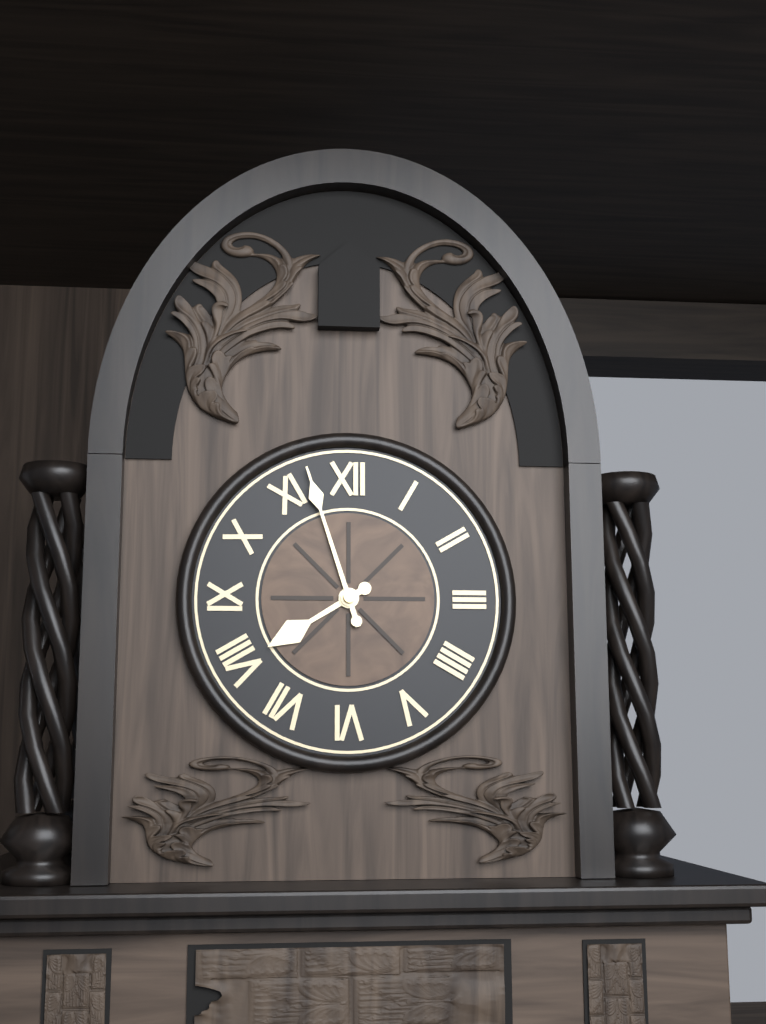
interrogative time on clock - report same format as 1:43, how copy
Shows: 7:57
